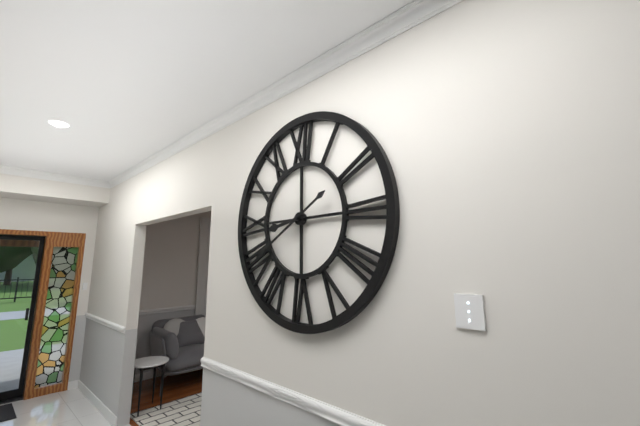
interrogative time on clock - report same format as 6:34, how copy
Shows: 8:40
